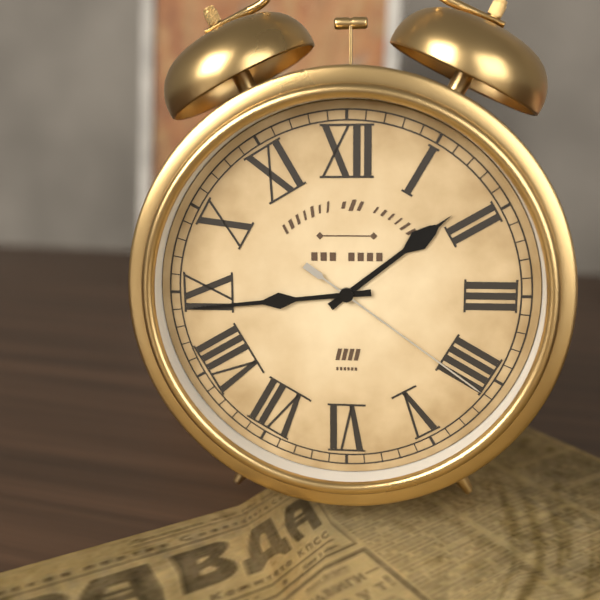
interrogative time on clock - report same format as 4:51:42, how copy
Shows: 1:44:21
